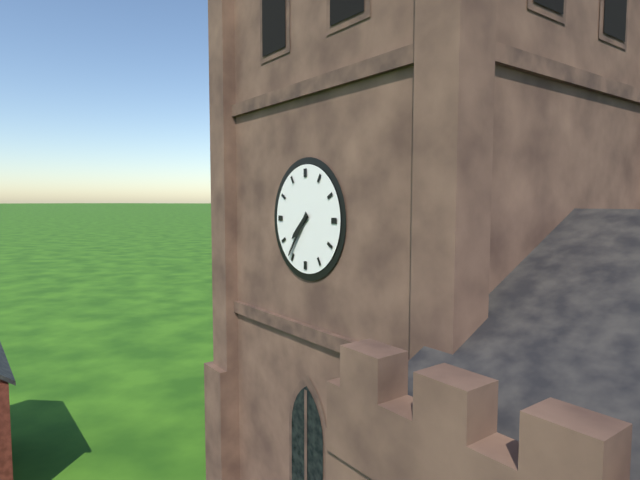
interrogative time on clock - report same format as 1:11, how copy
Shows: 7:36
